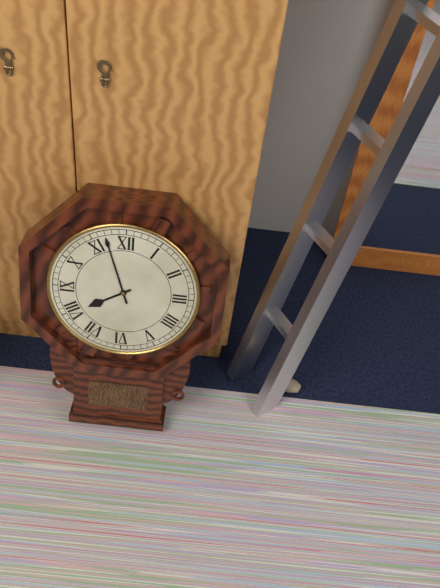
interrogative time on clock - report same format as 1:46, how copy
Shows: 7:57
